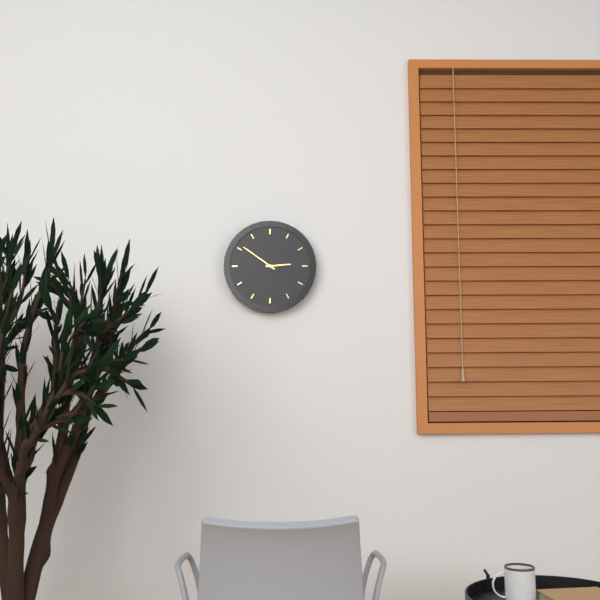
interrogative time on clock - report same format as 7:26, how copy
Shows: 2:51
